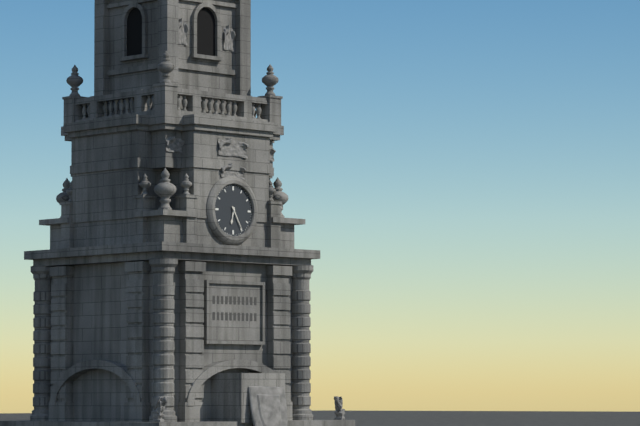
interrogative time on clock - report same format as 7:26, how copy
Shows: 6:25
